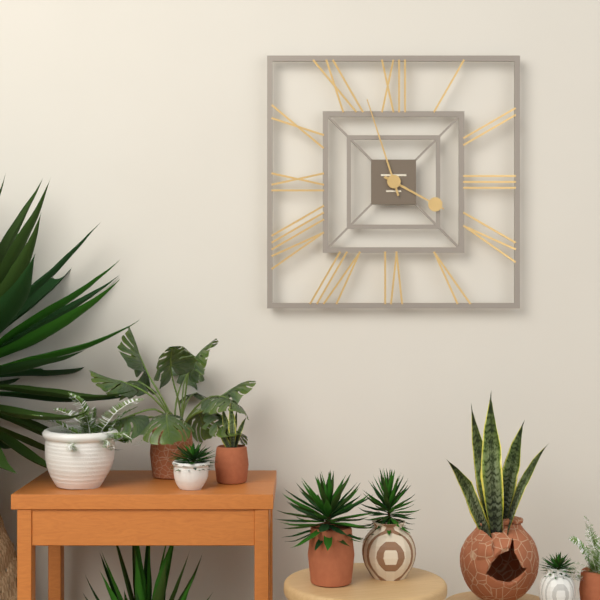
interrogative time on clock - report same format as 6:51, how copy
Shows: 3:57
